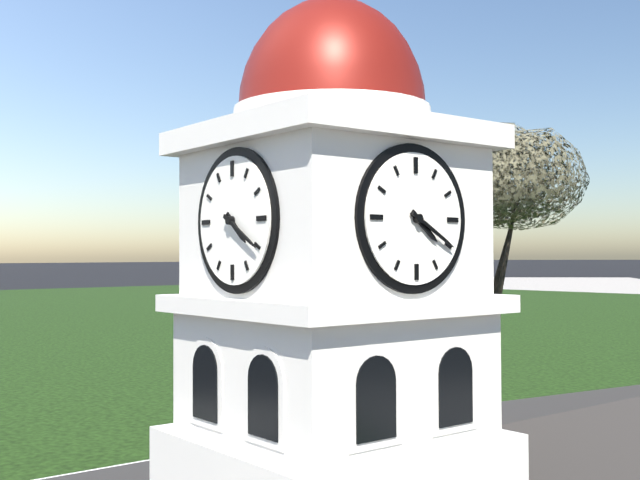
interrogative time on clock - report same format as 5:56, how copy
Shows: 4:20
